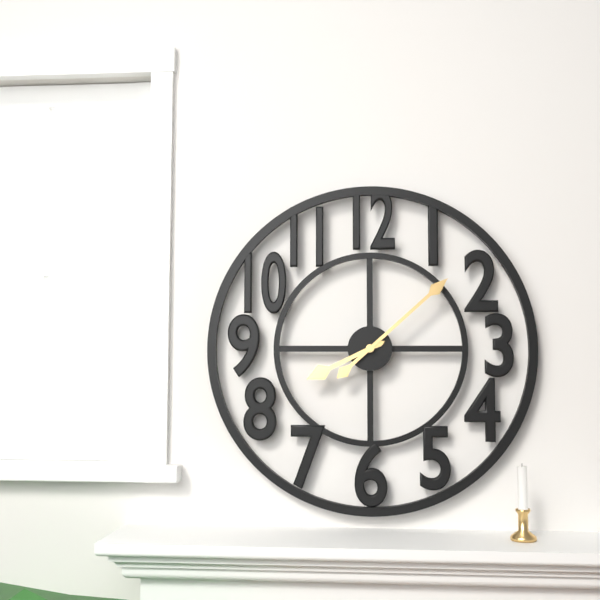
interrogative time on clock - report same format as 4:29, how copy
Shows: 8:08
